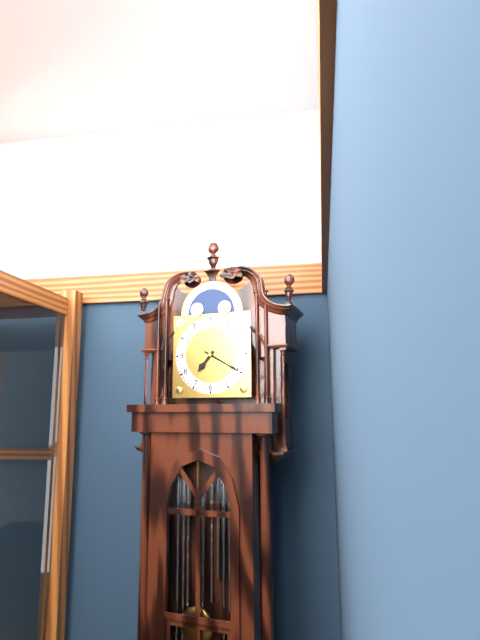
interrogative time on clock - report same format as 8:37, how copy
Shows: 7:20
